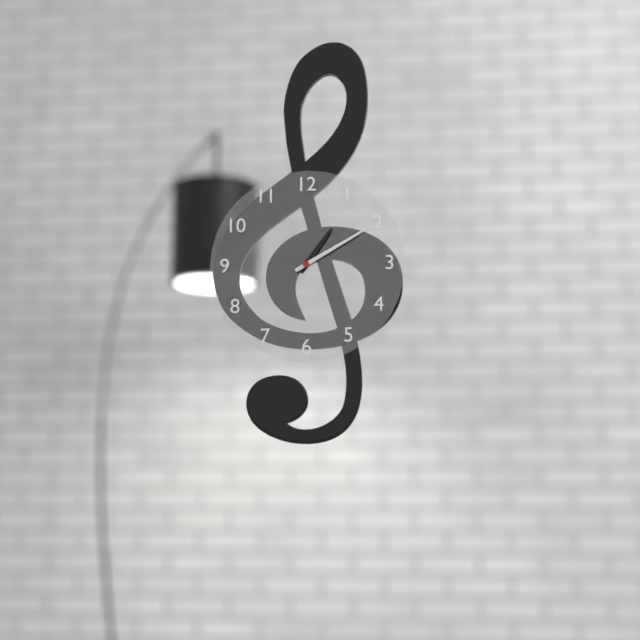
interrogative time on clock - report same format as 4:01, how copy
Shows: 1:10
